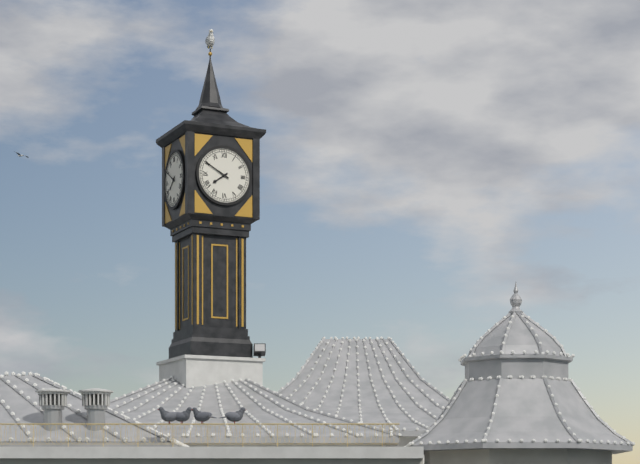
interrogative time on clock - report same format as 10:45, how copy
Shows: 7:50
